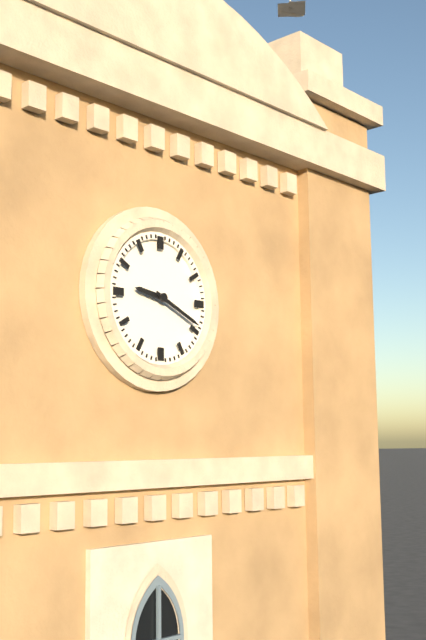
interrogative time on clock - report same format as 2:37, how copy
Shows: 9:19
